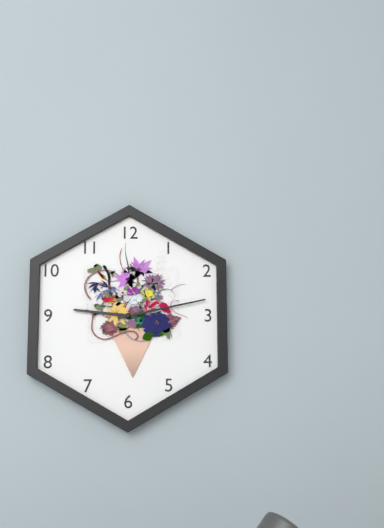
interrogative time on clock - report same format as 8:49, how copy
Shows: 9:13
